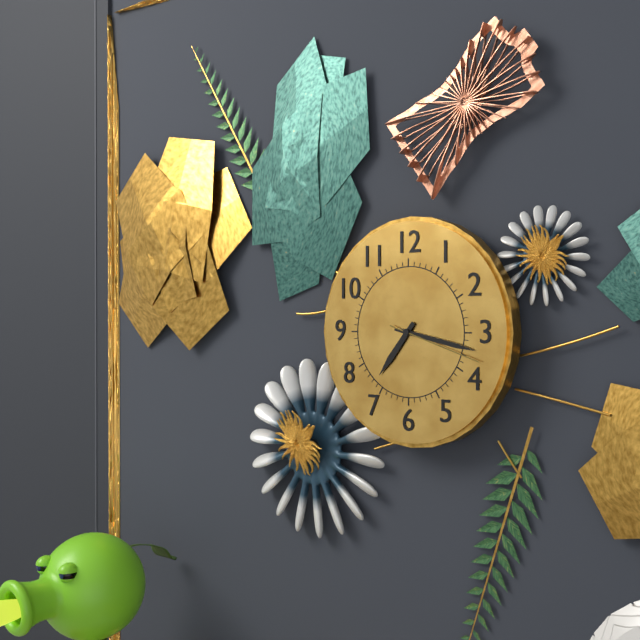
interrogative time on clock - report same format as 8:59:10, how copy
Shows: 7:17:18
